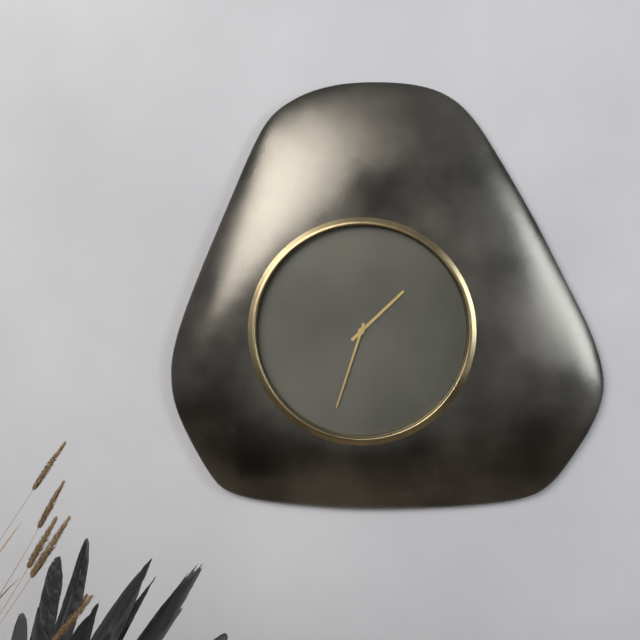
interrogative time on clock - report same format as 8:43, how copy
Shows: 1:33
